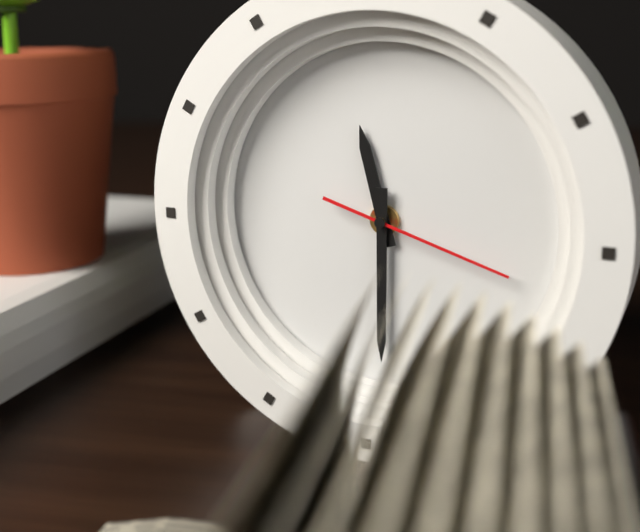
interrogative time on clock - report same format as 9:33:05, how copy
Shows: 11:30:18
